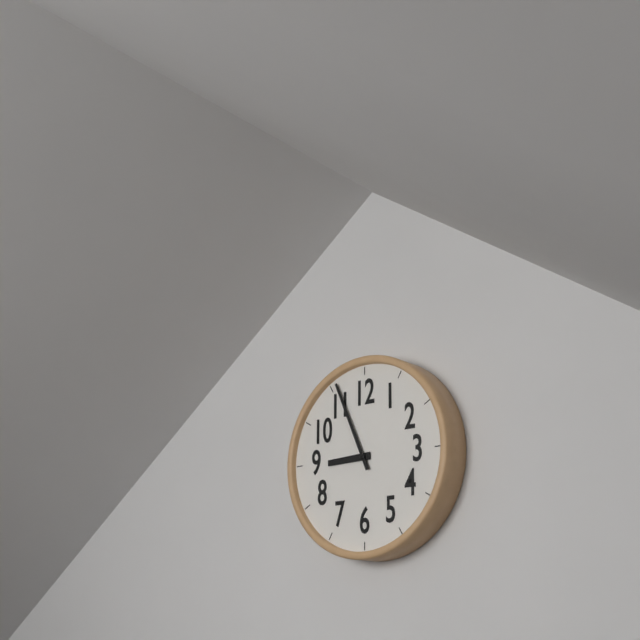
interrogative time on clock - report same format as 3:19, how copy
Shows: 8:56
